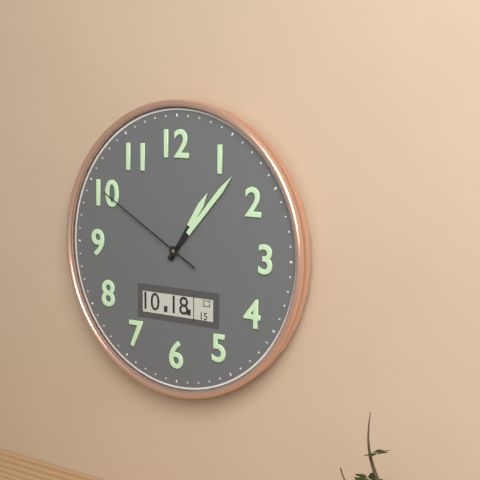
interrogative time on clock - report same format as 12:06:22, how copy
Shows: 1:07:50
